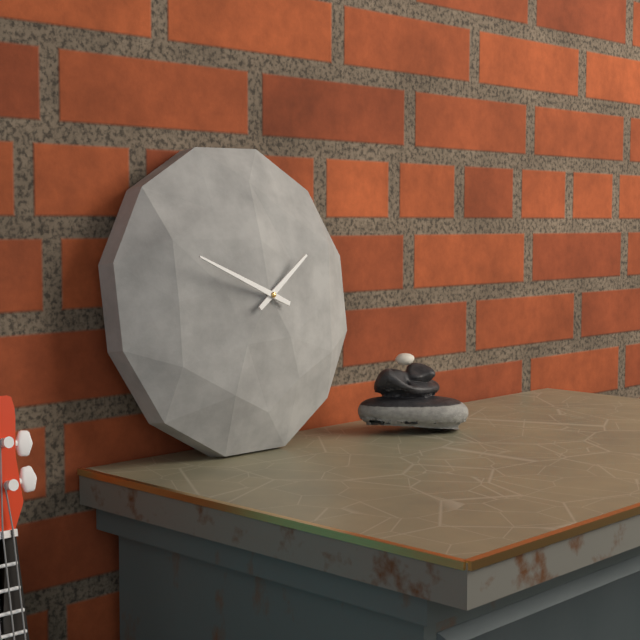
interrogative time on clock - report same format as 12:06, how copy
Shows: 1:49
